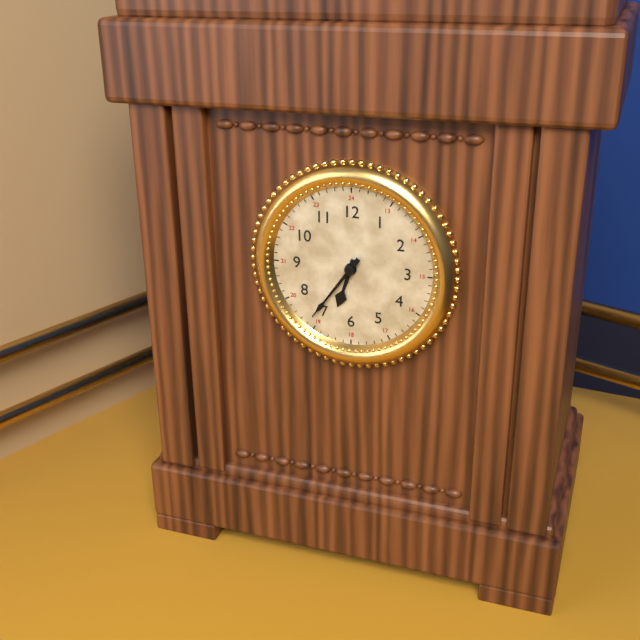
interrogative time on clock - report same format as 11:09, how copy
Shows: 6:36
